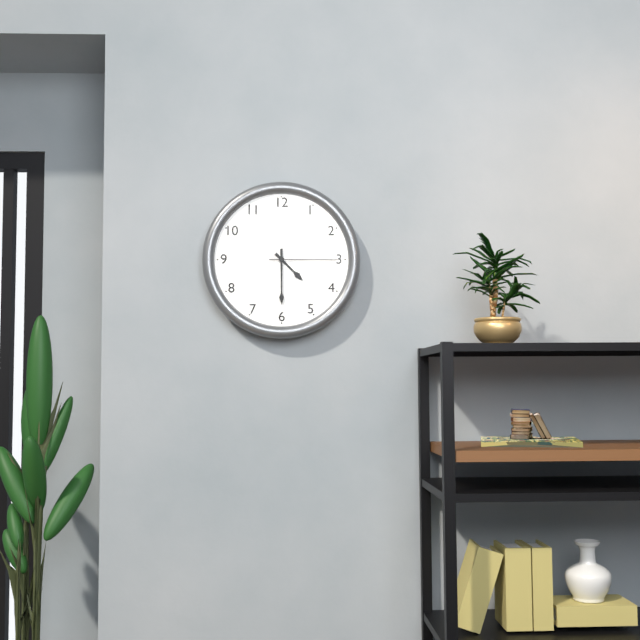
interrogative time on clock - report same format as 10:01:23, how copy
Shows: 4:30:15
